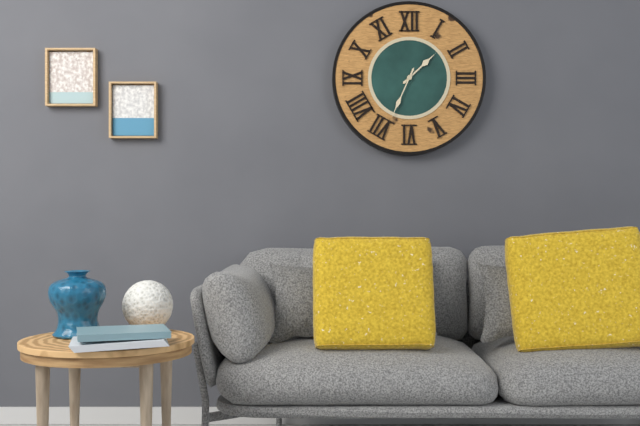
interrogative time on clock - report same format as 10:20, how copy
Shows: 1:34
